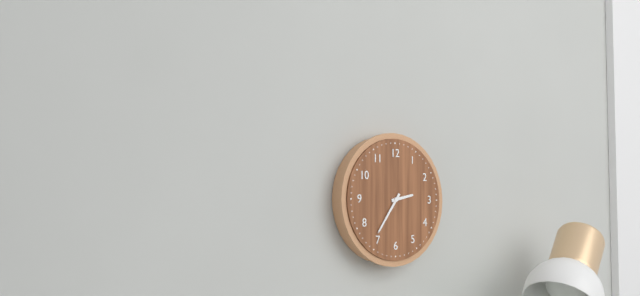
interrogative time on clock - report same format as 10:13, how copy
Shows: 2:36
